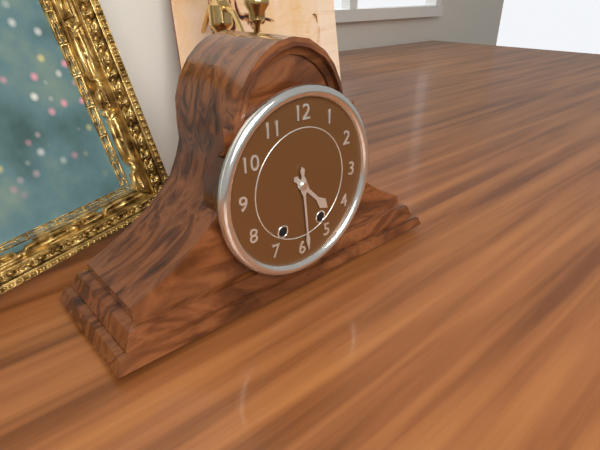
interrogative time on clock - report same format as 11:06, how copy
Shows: 4:29
